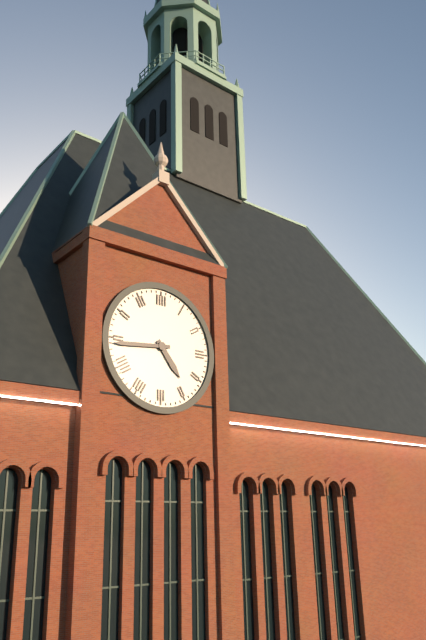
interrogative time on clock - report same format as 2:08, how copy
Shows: 4:44
